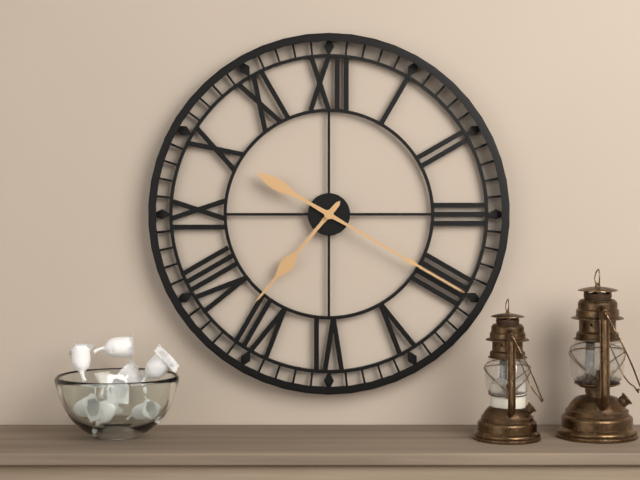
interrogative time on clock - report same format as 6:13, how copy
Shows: 7:20
